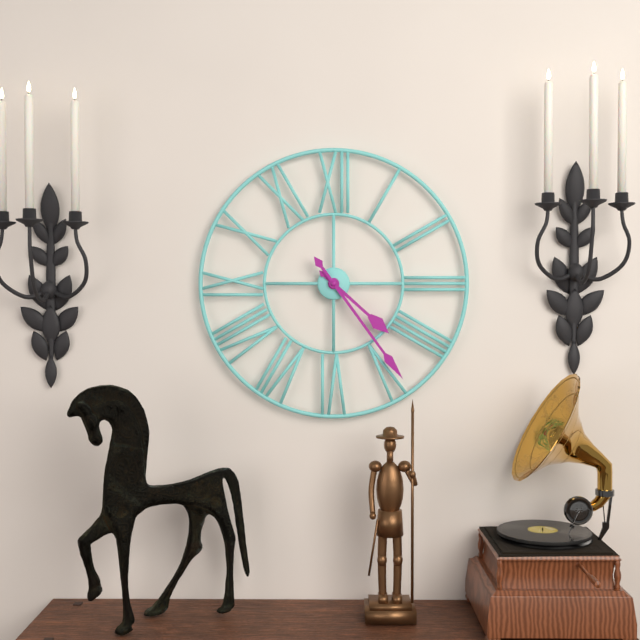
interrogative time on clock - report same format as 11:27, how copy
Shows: 4:24
